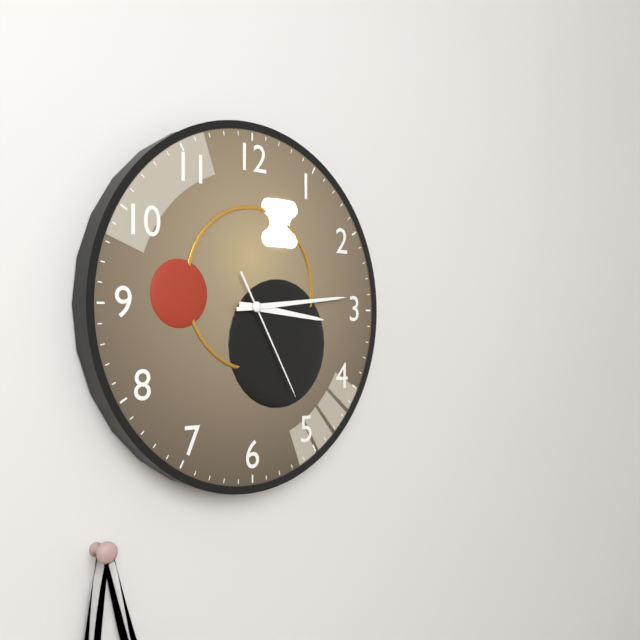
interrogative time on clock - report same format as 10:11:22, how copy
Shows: 3:14:25
